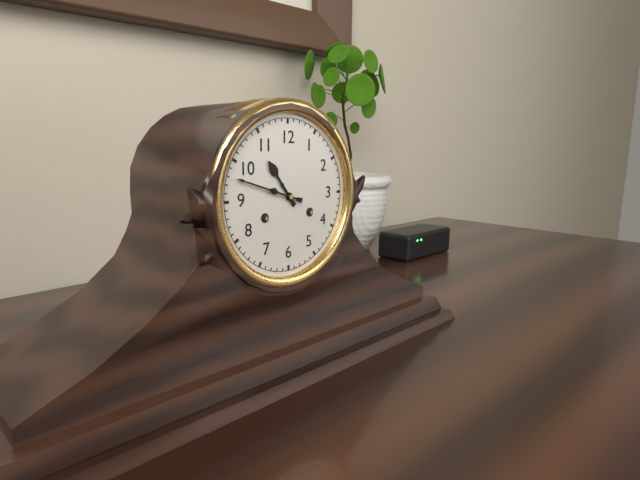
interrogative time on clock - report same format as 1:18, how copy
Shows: 10:48
